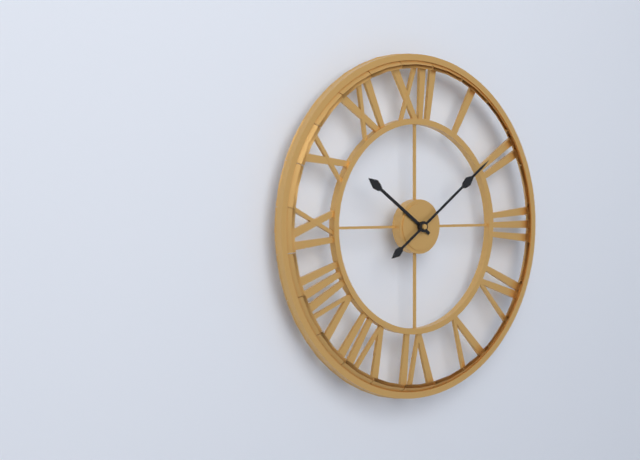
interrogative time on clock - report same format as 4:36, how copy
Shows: 10:09
